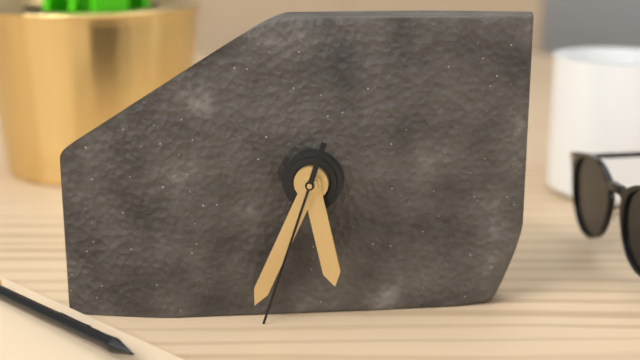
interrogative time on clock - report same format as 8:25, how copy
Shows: 5:34
